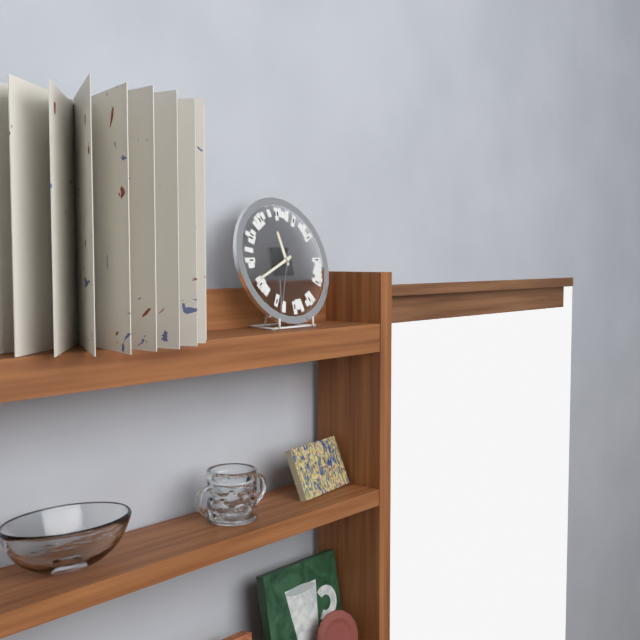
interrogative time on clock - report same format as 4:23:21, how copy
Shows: 11:41:34
